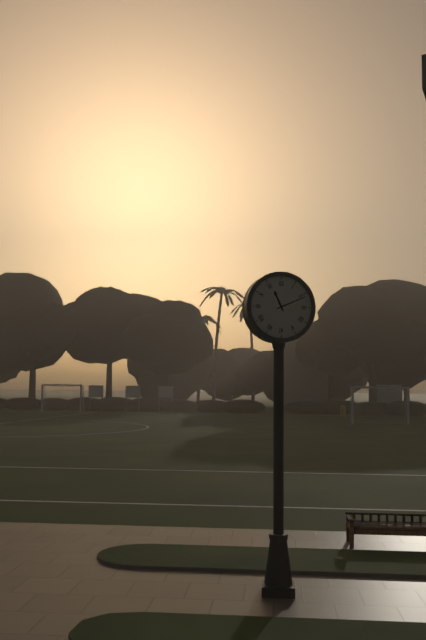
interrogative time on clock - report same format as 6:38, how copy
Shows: 11:11
